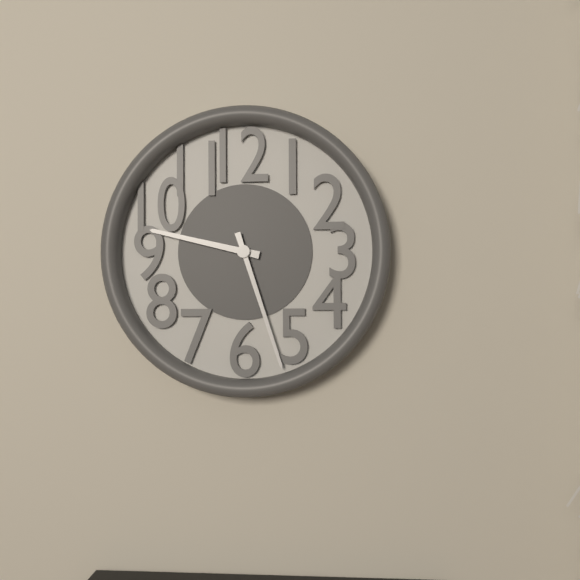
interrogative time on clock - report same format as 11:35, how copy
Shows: 9:27
